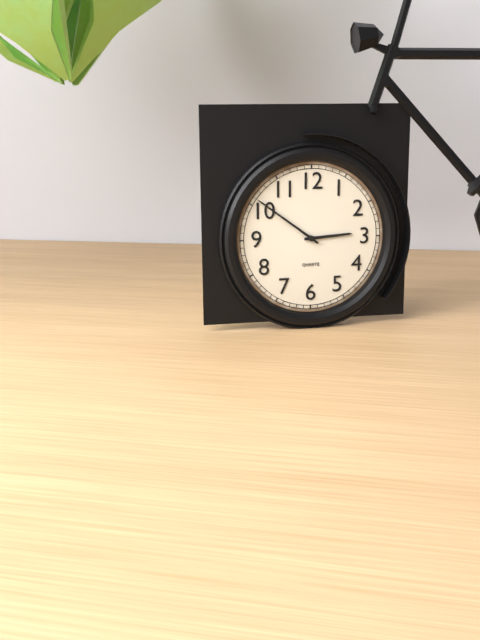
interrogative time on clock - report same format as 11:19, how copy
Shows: 2:51
